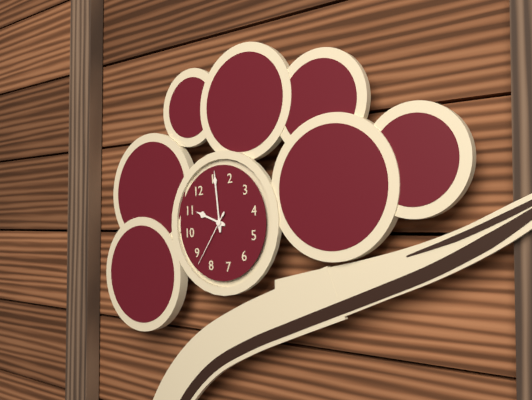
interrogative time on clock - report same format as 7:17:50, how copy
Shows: 11:06:43
